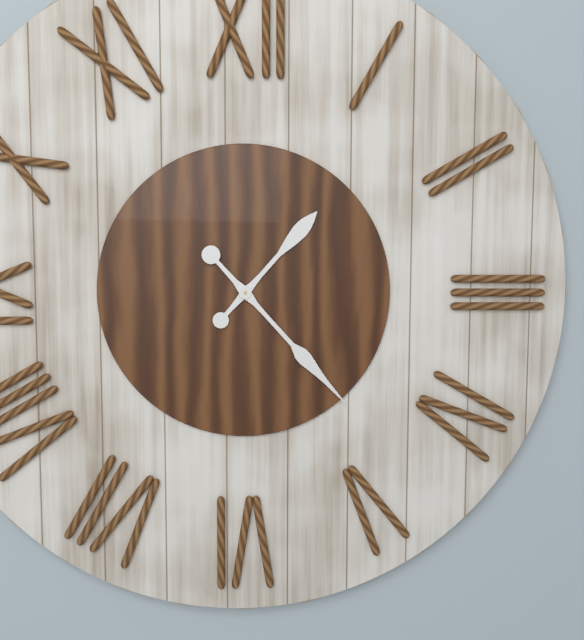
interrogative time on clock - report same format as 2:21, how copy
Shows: 1:23
